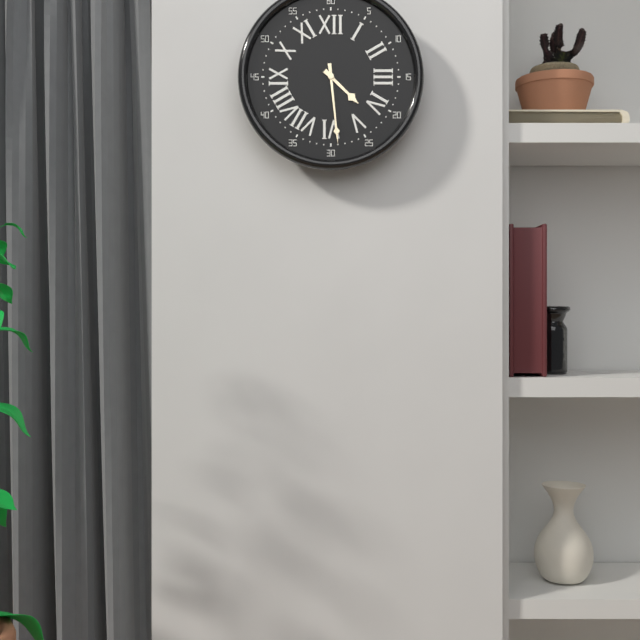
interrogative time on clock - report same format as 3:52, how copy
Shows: 4:29
